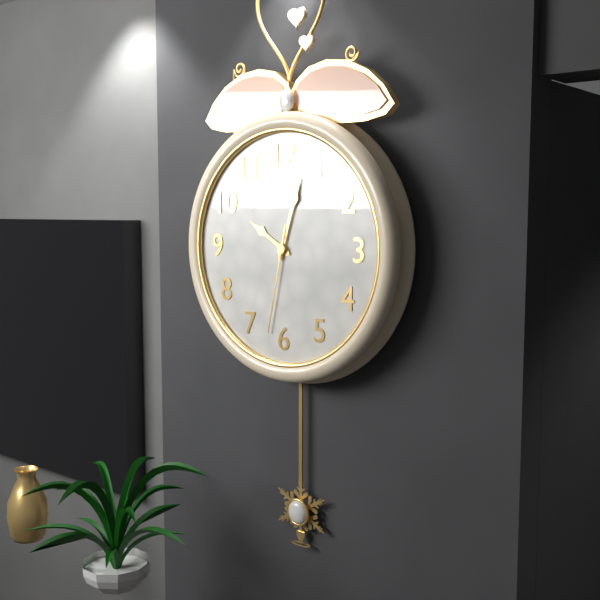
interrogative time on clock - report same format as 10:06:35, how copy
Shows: 10:03:32
